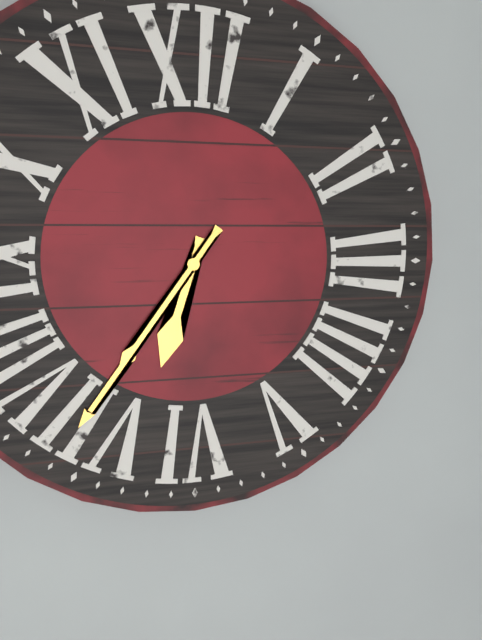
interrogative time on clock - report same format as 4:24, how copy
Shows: 6:36
